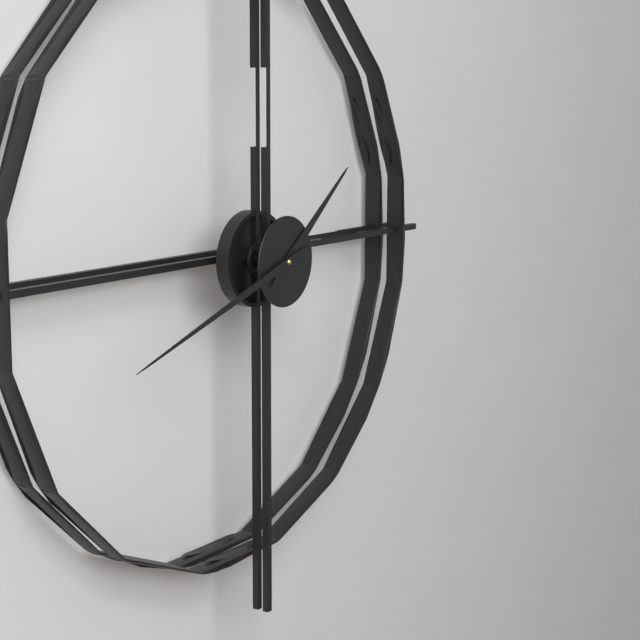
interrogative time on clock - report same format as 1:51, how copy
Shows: 1:42
